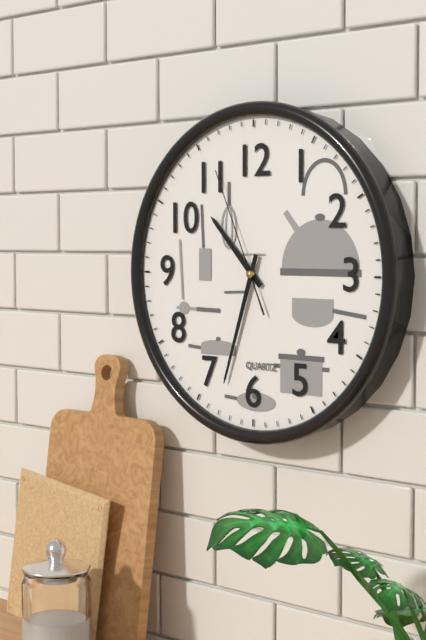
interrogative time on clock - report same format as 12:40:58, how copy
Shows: 10:33:56
